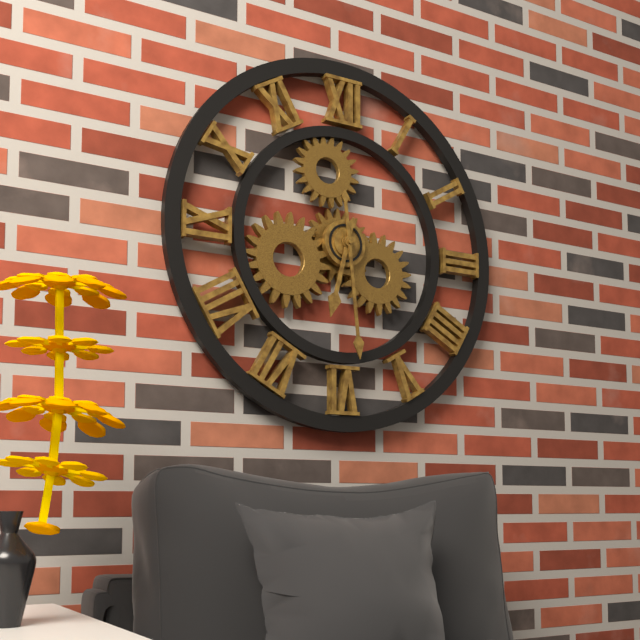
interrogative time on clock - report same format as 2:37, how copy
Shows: 6:29
